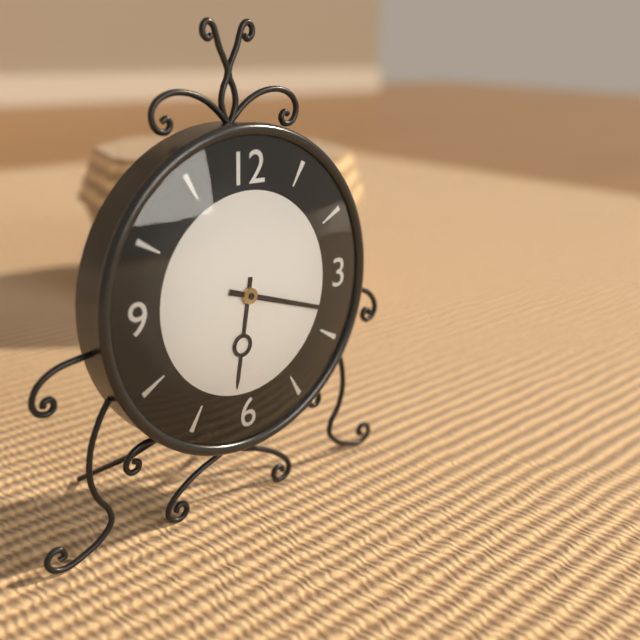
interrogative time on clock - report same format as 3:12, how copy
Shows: 6:18
